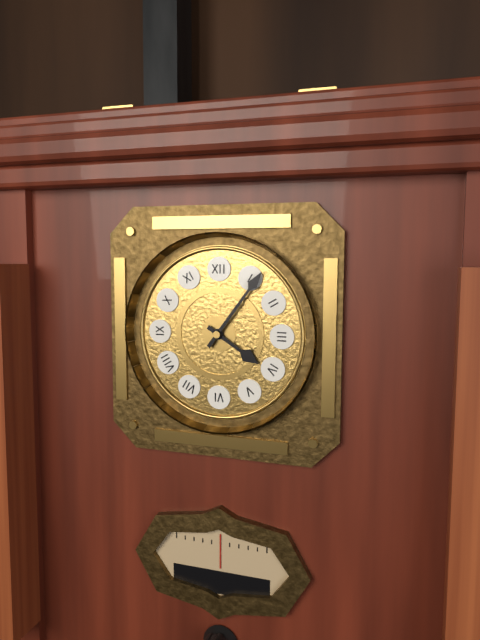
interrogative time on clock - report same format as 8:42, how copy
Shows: 4:06
